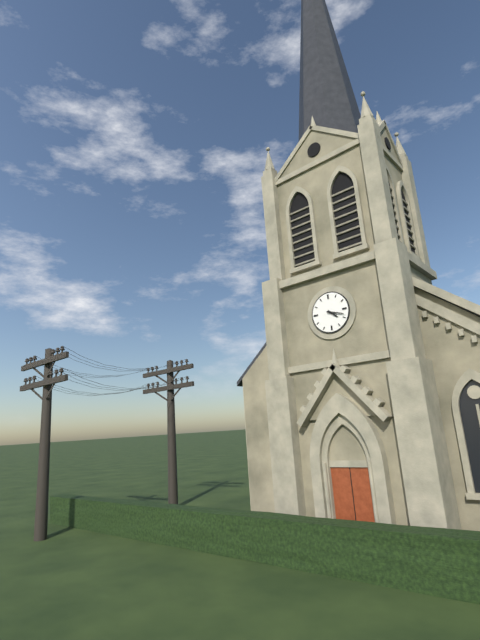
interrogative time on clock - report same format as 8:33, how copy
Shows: 4:18
